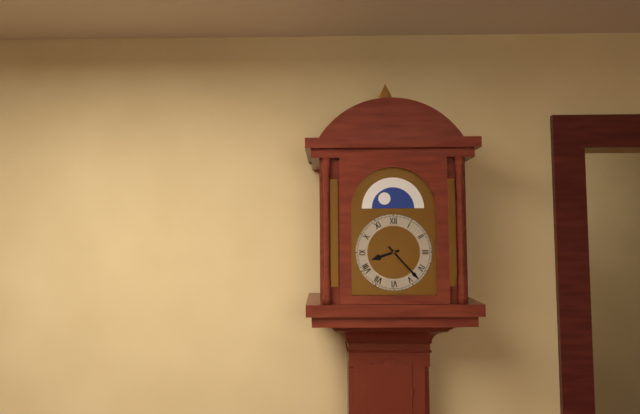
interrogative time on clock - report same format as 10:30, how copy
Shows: 8:23
